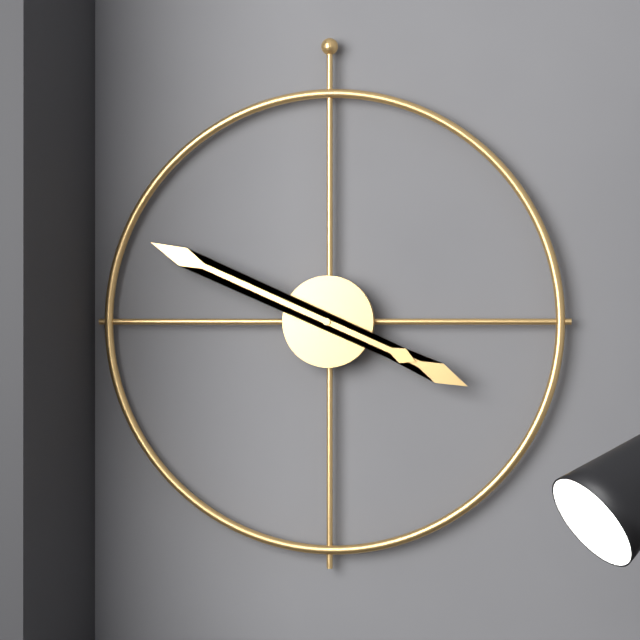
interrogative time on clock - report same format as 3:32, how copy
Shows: 3:49
